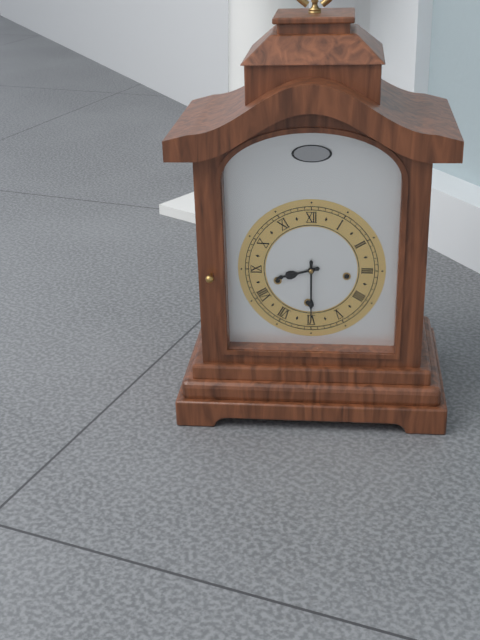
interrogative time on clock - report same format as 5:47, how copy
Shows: 8:30
